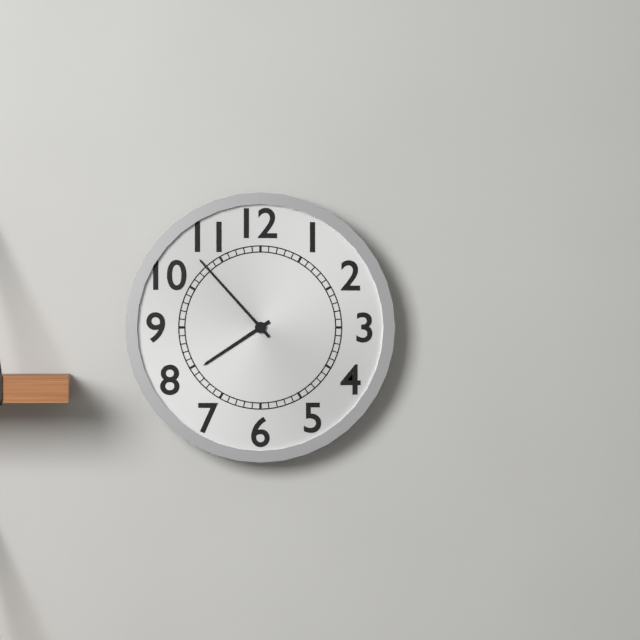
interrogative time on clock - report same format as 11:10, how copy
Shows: 7:53
